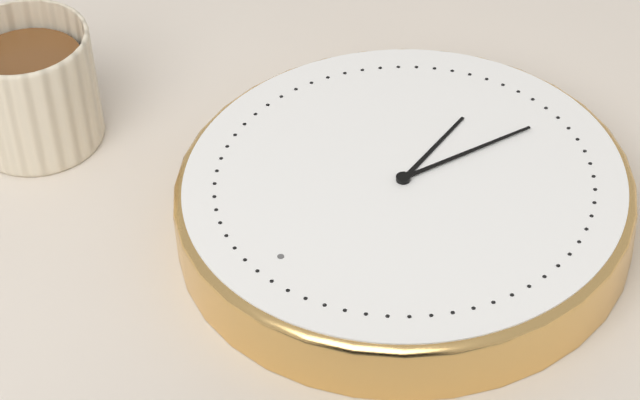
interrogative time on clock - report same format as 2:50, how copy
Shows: 5:32
